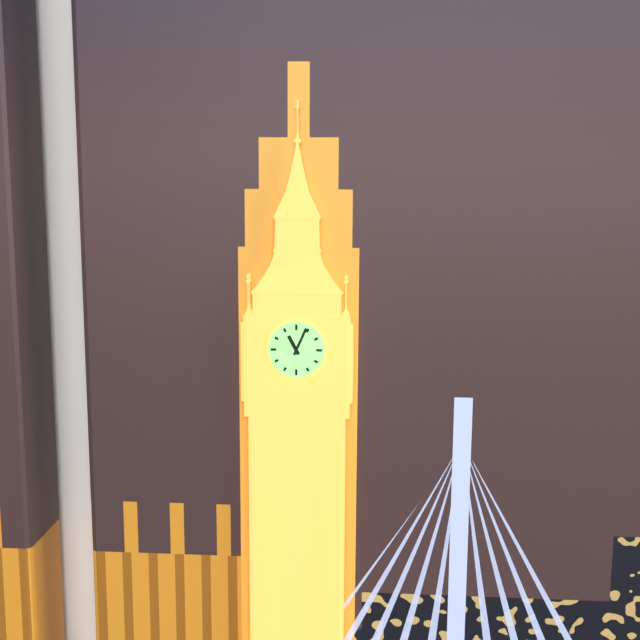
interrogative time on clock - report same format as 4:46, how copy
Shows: 11:04
